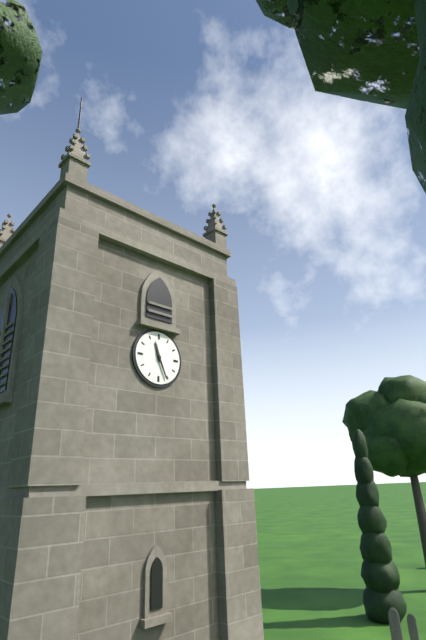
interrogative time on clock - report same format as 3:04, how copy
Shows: 11:26
